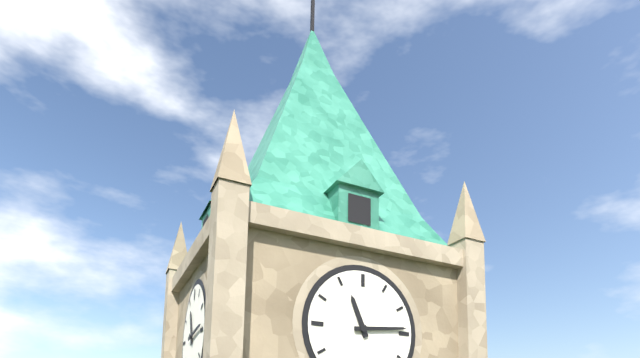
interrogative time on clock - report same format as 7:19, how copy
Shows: 11:14
